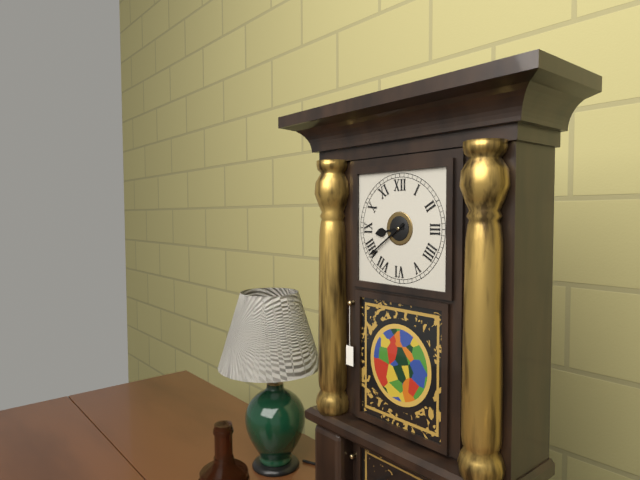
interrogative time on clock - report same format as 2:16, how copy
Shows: 8:39
